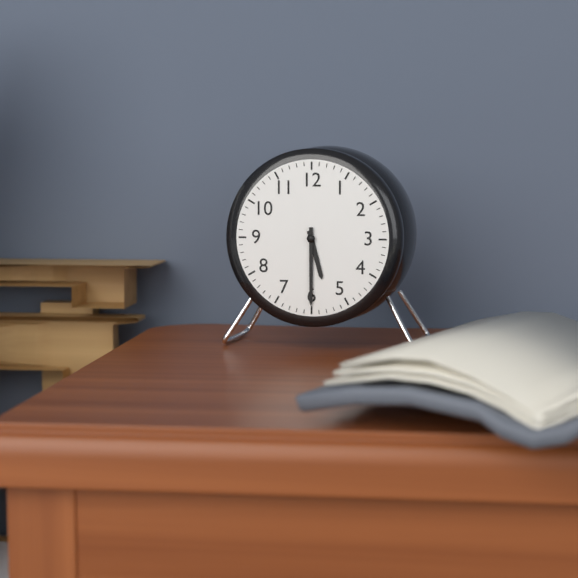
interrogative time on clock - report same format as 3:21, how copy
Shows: 5:30
